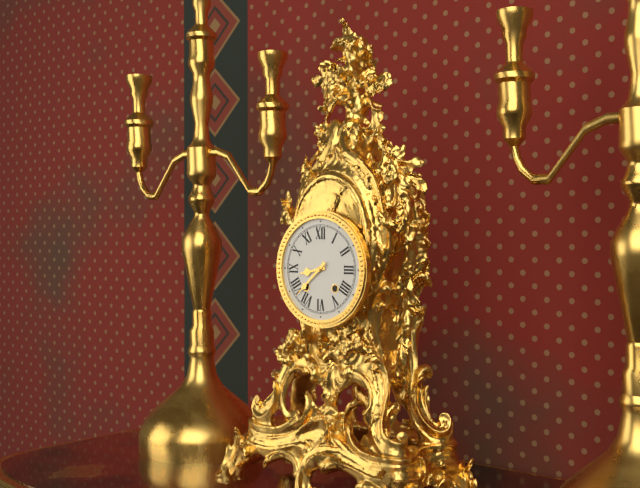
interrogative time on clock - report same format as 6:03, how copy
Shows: 8:38
